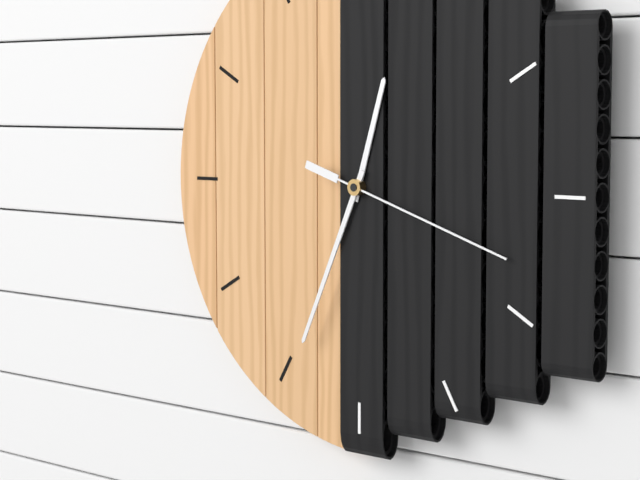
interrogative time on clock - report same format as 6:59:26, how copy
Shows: 12:34:18
